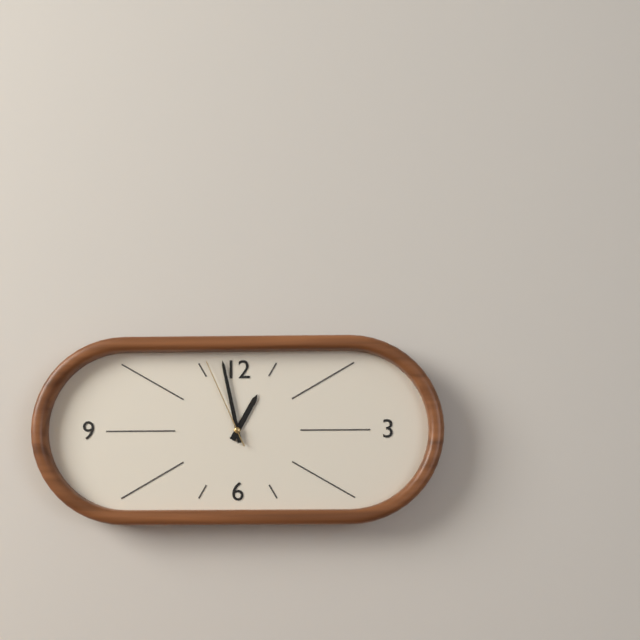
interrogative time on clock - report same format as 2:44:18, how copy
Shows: 12:58:56
